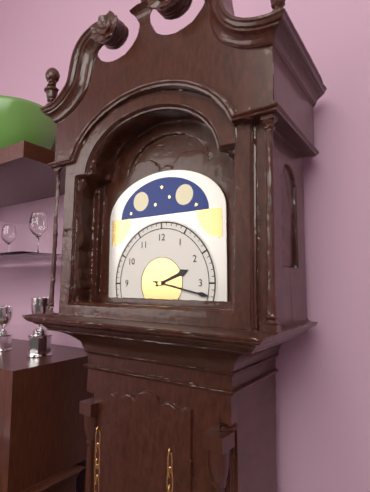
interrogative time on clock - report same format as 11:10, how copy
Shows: 2:17
